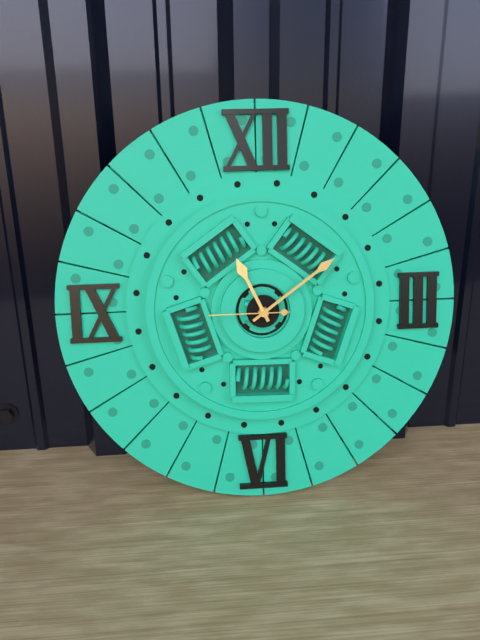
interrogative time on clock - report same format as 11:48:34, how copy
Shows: 11:09:45
